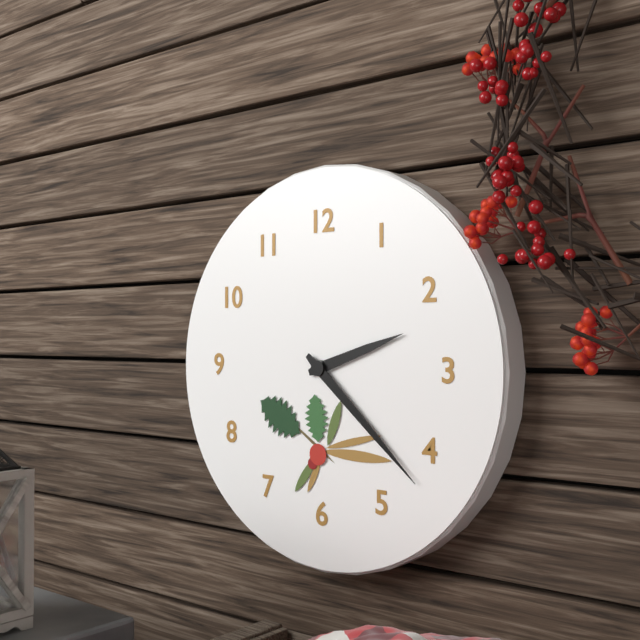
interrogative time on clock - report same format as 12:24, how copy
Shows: 2:22
